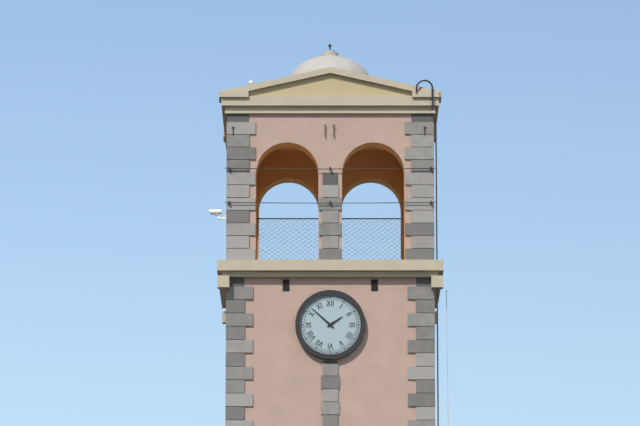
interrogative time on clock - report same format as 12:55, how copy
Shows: 1:52
